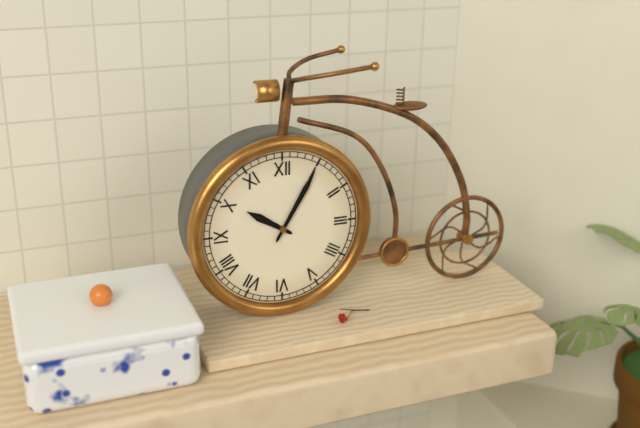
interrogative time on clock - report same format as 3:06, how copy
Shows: 10:05
